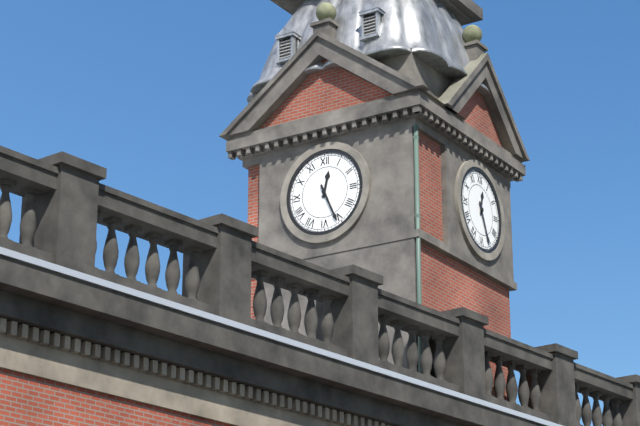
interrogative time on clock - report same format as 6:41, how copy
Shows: 12:26
